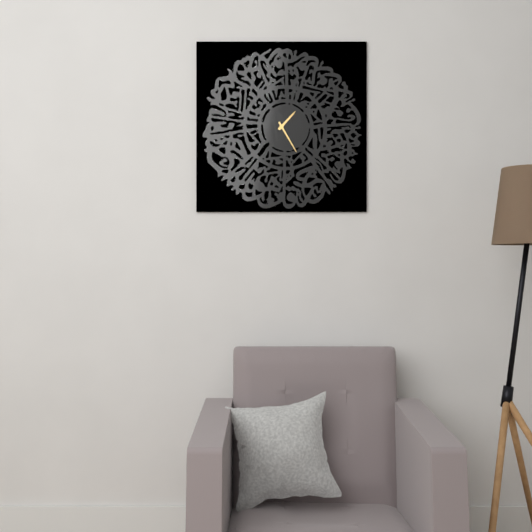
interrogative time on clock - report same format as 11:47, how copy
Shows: 1:25
